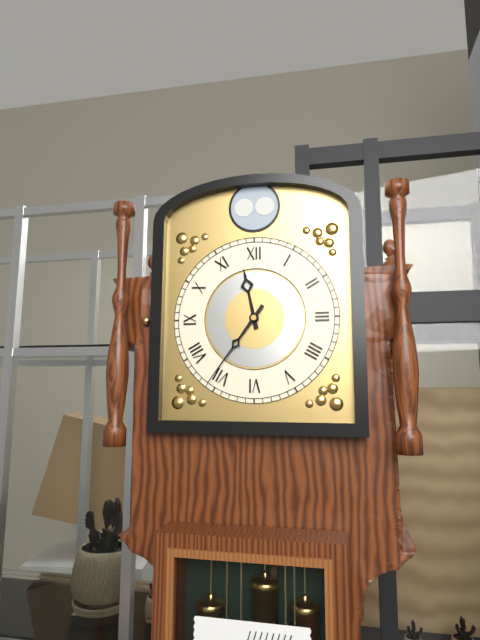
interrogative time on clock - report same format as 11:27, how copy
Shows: 11:36
